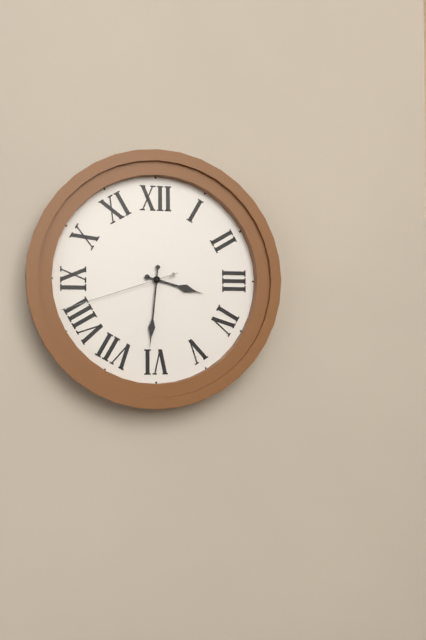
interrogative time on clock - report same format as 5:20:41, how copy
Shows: 3:31:42
